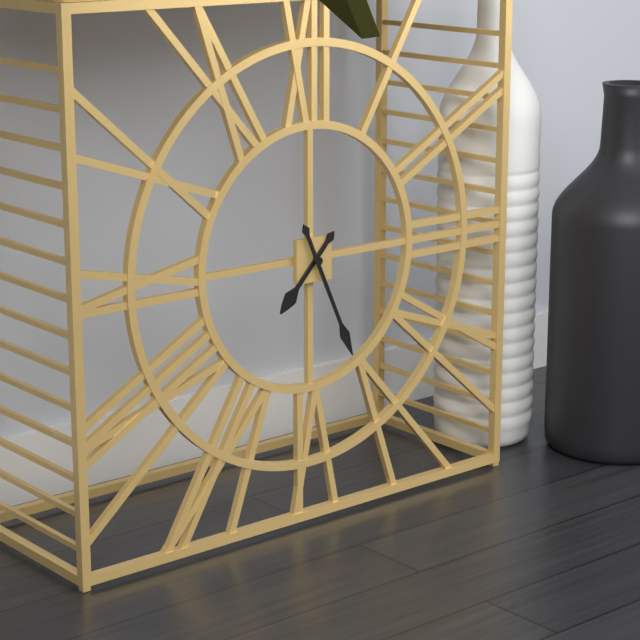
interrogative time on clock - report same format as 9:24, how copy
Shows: 7:26
